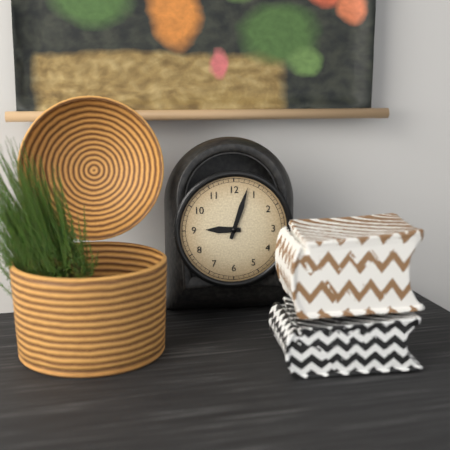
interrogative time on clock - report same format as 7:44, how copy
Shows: 9:03
